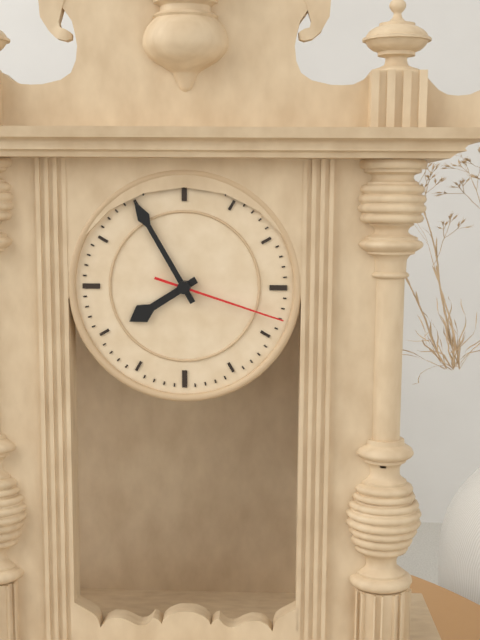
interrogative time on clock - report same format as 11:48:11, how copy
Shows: 7:55:18
